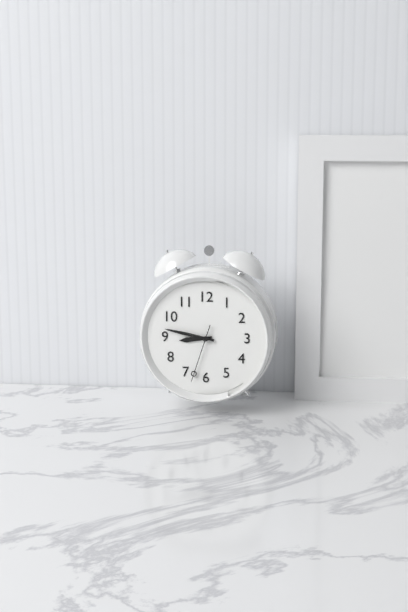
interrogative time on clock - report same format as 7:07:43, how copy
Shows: 8:47:33
